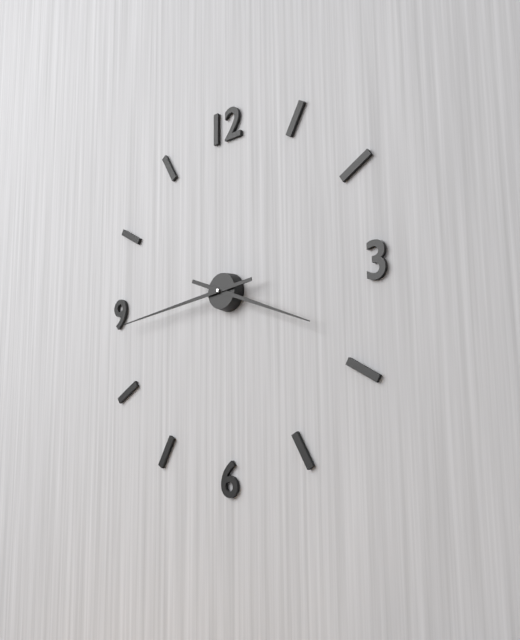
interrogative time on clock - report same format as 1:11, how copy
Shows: 3:44
